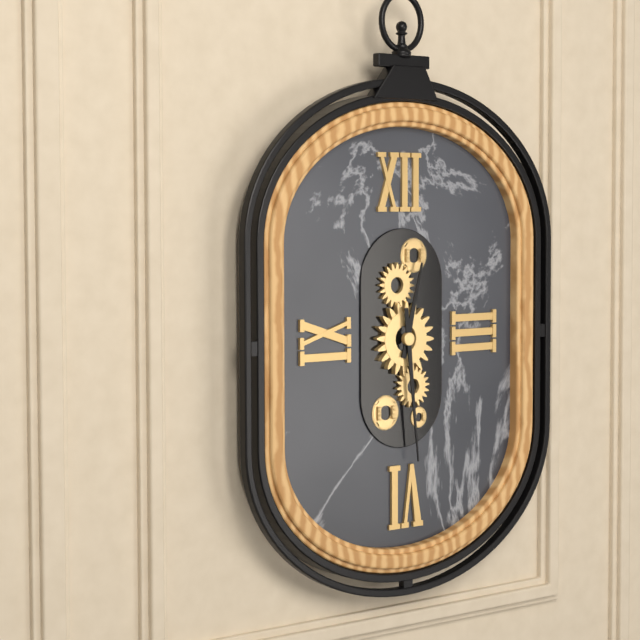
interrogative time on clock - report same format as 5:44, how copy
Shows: 12:29
